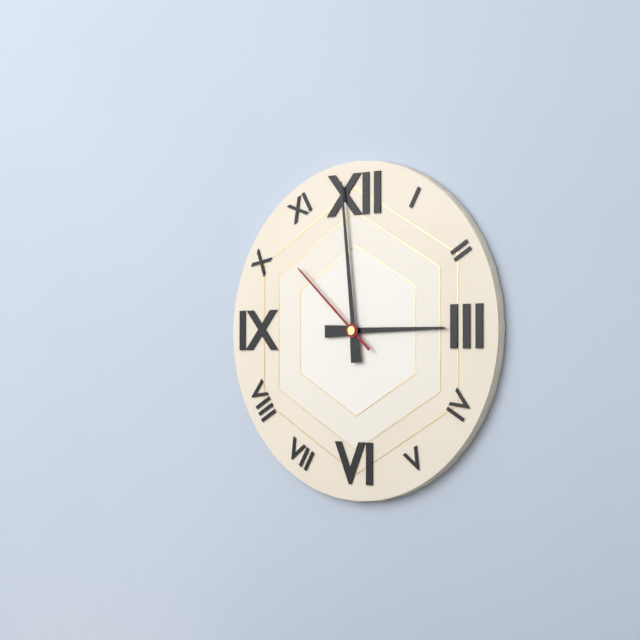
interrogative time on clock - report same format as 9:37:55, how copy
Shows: 2:59:52
